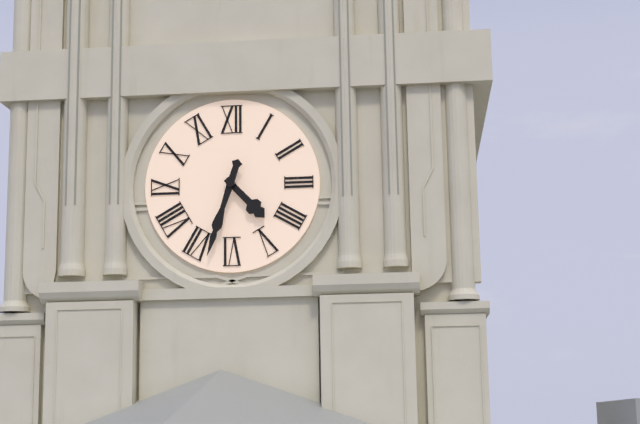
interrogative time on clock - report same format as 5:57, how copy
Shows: 4:33
